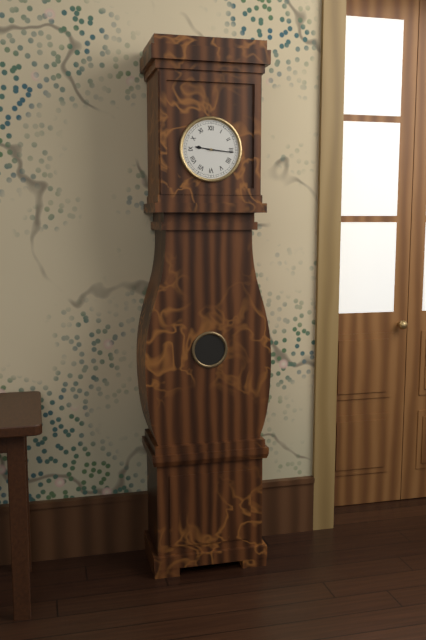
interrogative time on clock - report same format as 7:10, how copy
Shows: 9:16
